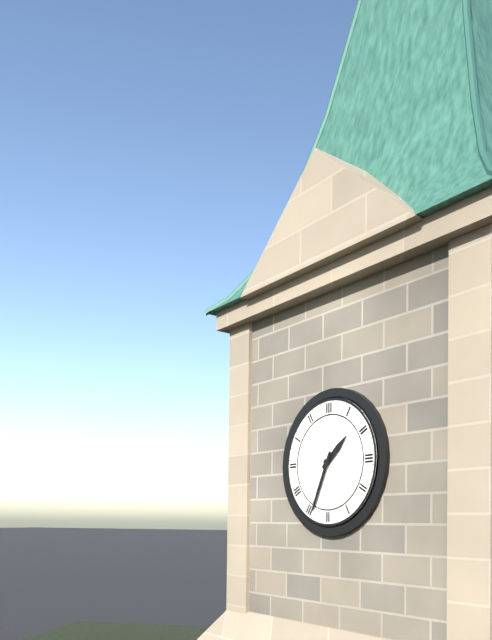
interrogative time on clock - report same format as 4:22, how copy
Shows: 1:34
